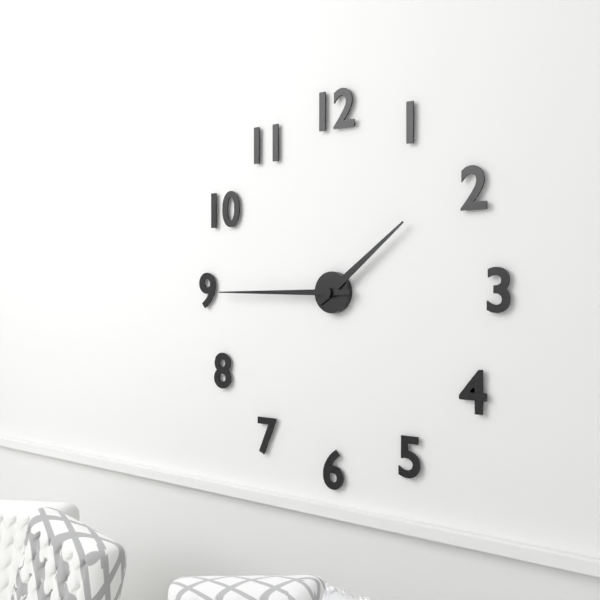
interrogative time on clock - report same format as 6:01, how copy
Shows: 1:45
